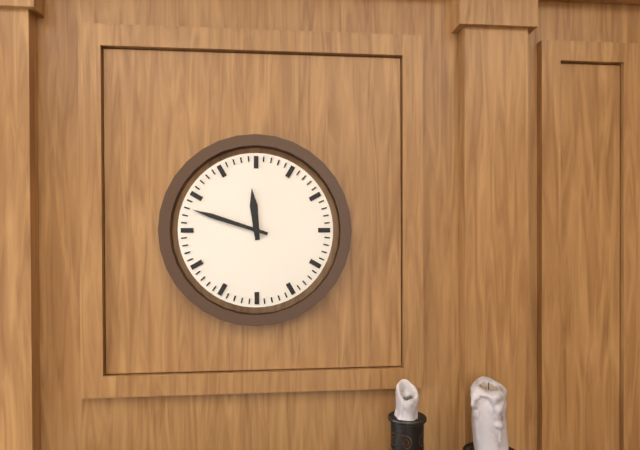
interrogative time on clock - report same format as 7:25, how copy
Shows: 11:48
